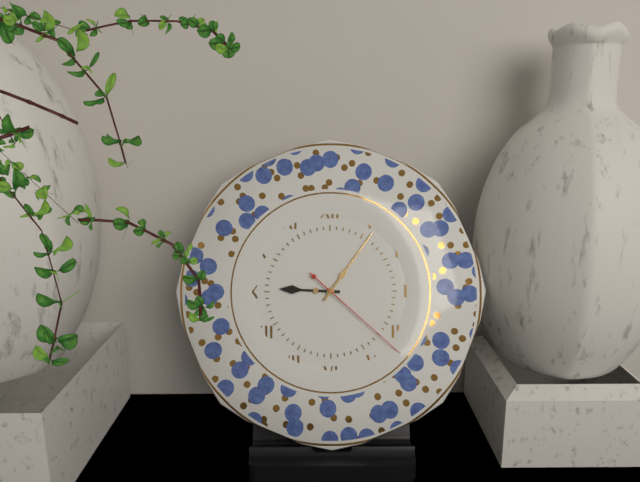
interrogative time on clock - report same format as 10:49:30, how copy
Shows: 9:06:22
